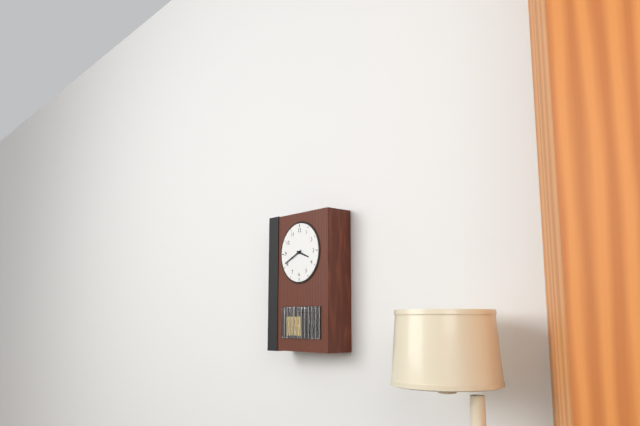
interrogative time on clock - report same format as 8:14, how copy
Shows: 3:41
